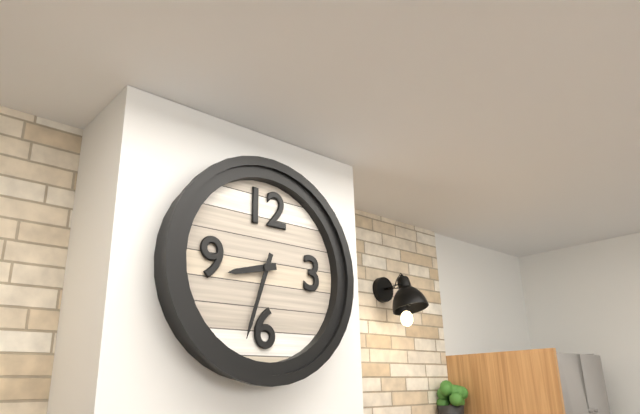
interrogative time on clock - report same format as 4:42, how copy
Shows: 8:33
